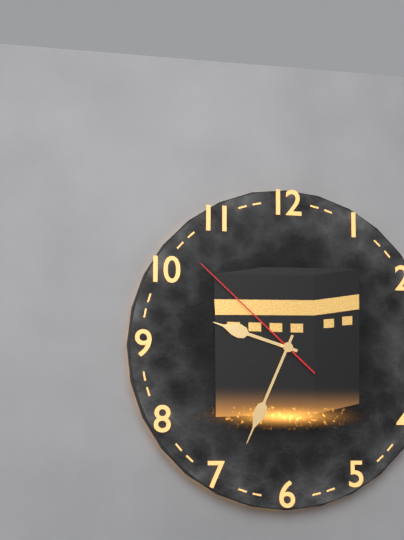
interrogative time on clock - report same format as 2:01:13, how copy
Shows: 9:34:52
